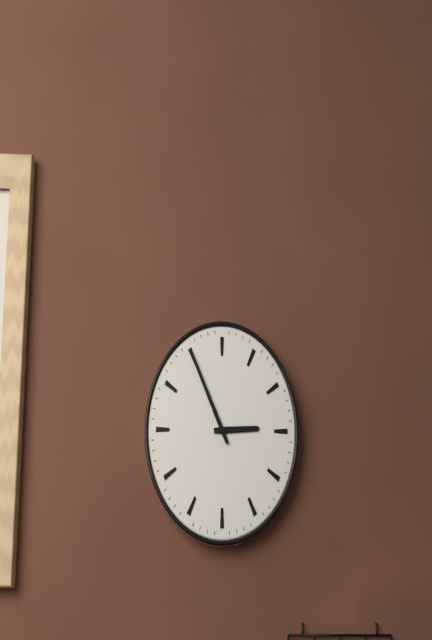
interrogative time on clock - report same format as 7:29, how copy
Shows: 2:55
